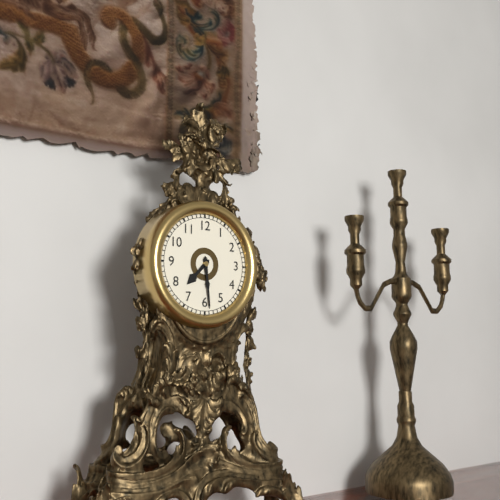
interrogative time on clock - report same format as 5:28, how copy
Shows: 7:29
